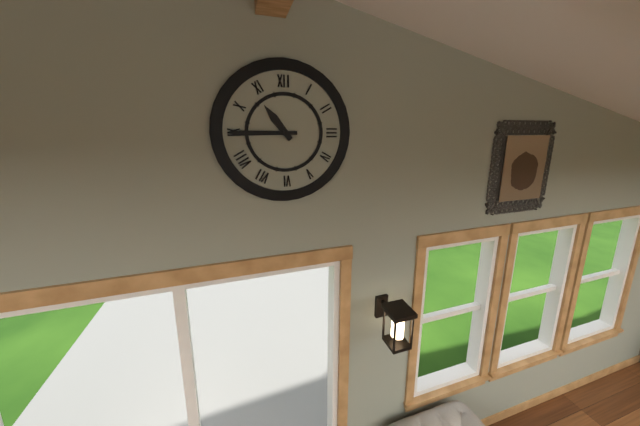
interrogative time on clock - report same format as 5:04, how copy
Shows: 10:45
